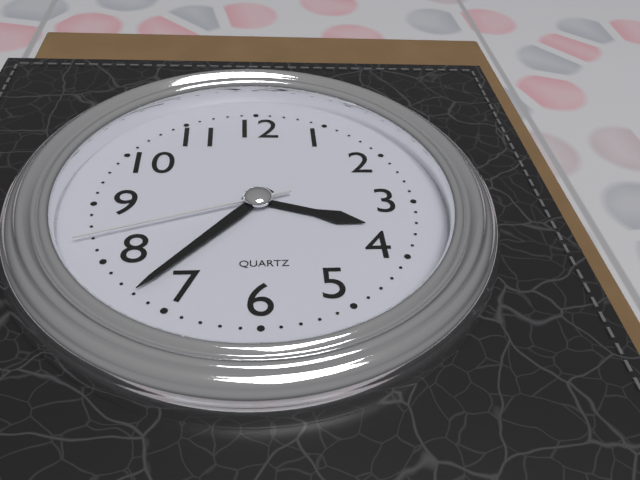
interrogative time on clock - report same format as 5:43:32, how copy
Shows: 3:37:42
